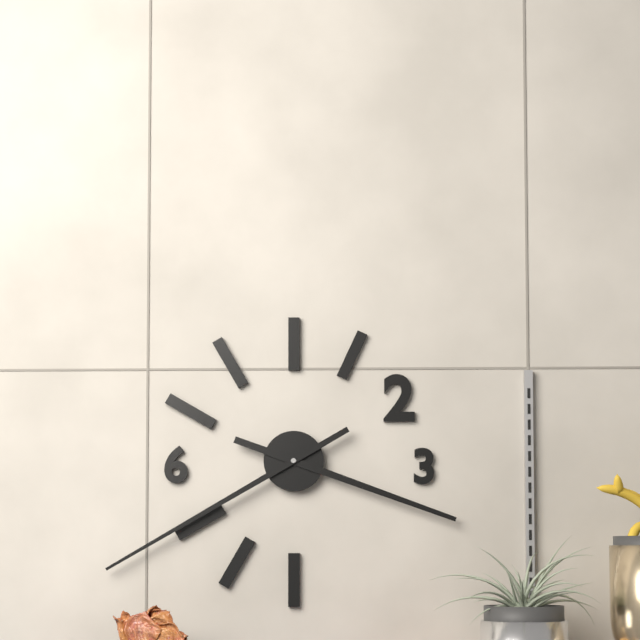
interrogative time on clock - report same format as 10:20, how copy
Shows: 3:40
